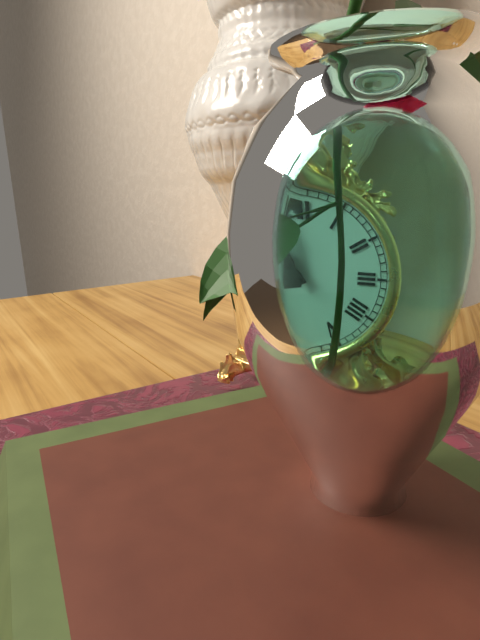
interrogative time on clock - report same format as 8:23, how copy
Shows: 10:58
